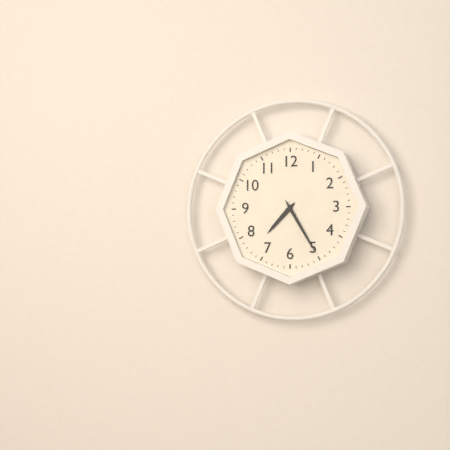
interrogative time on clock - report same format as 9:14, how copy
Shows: 7:25
